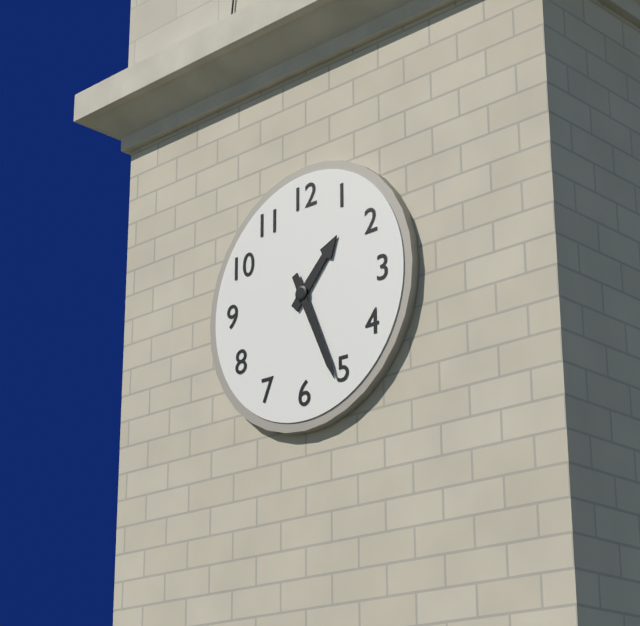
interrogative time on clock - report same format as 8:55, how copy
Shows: 1:26
